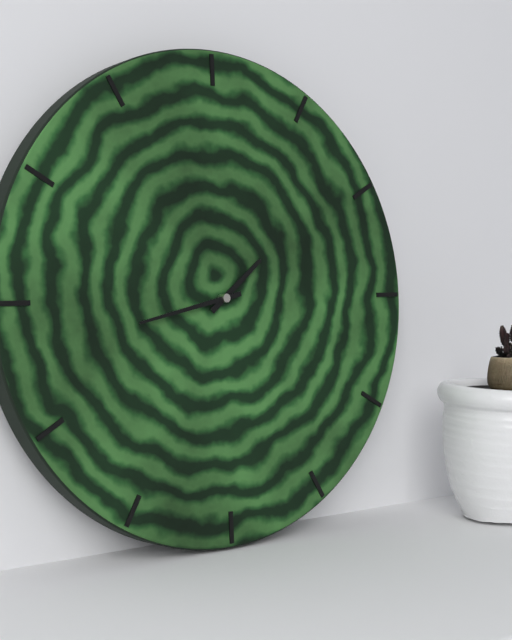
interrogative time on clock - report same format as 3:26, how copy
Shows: 1:43
